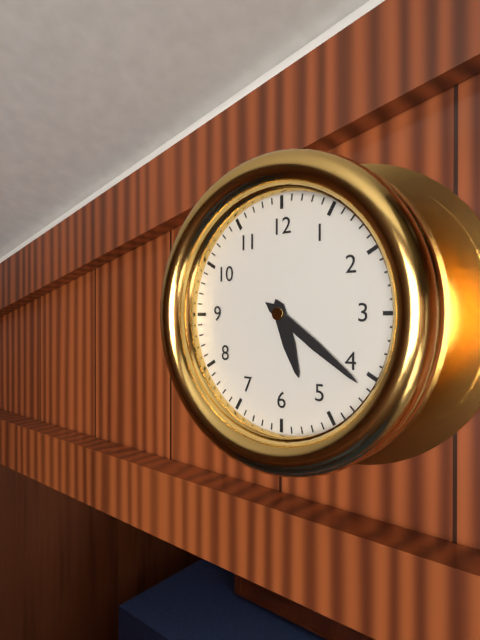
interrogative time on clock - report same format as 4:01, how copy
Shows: 5:21
